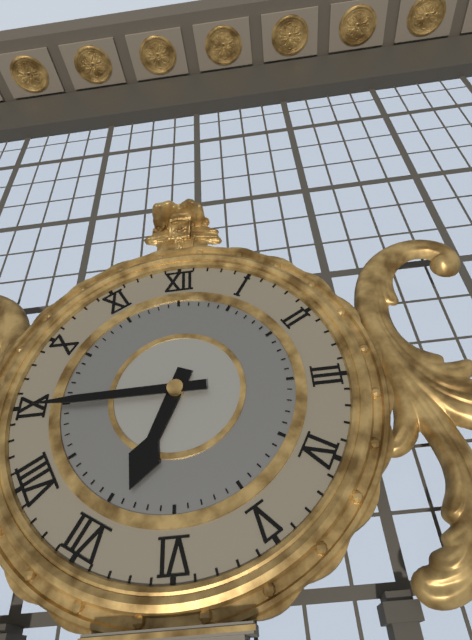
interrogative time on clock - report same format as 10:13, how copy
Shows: 6:45
